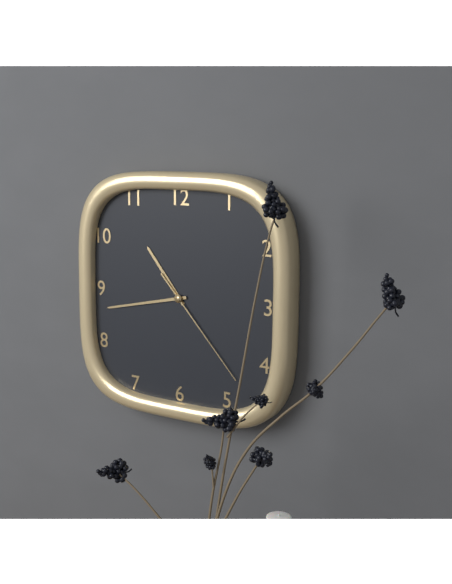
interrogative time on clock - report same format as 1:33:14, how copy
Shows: 10:43:23
